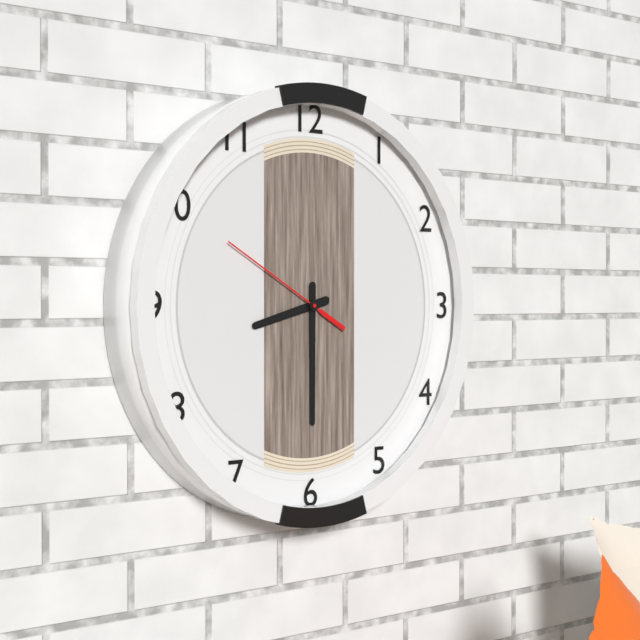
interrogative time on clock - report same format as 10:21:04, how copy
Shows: 8:30:50
